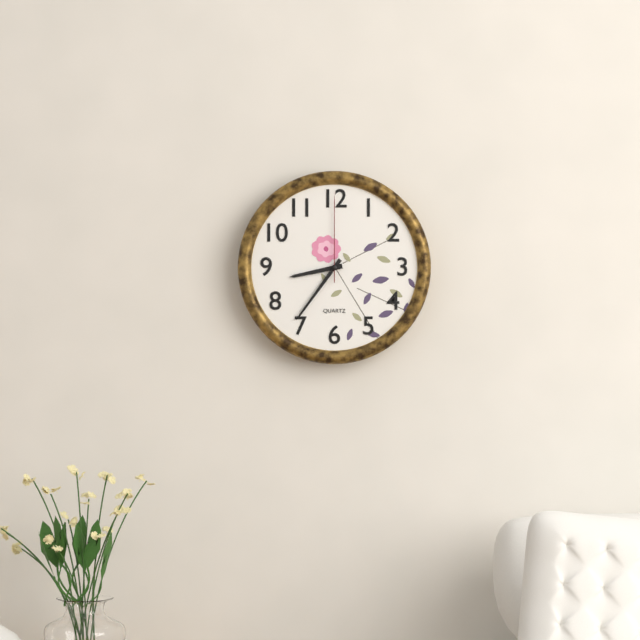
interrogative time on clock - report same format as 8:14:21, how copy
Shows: 8:36:00
